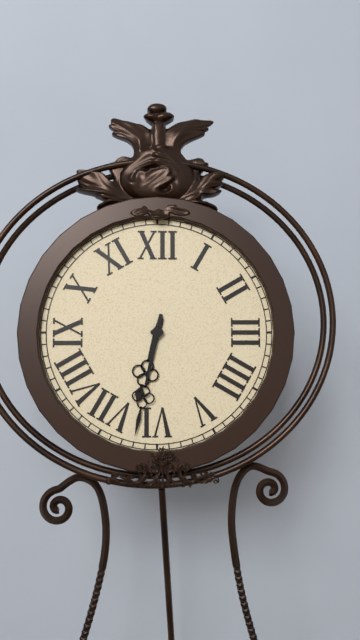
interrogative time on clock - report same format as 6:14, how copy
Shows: 6:32
